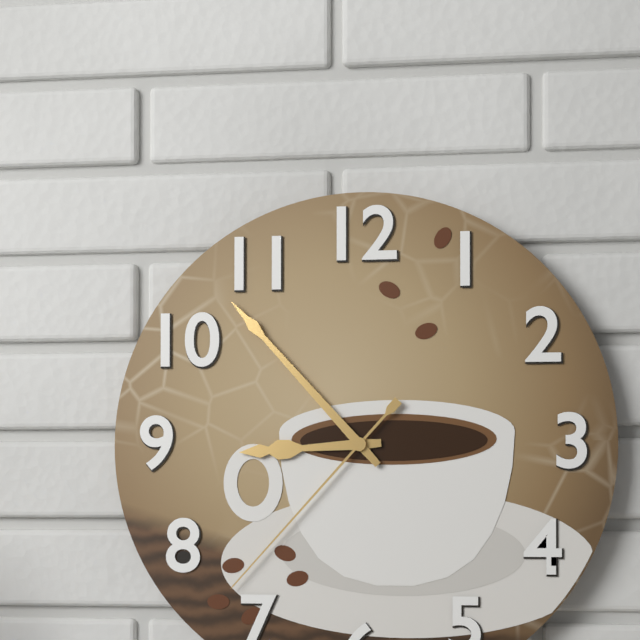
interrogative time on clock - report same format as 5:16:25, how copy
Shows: 8:53:37
